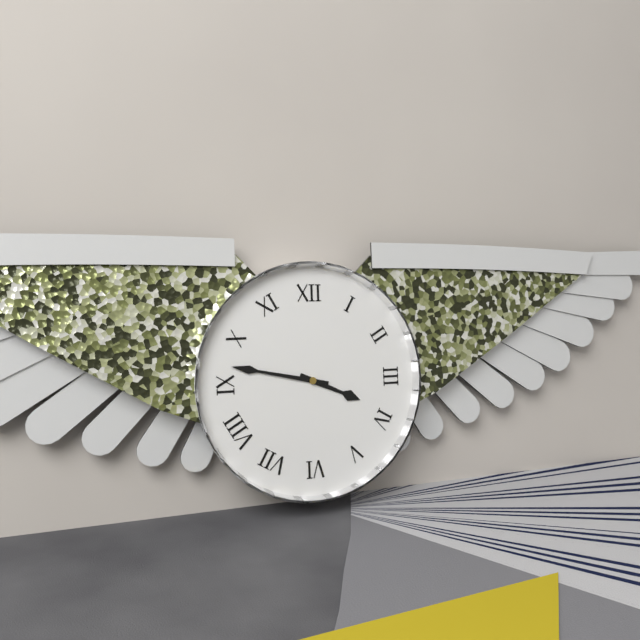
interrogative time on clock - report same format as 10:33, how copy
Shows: 3:47
